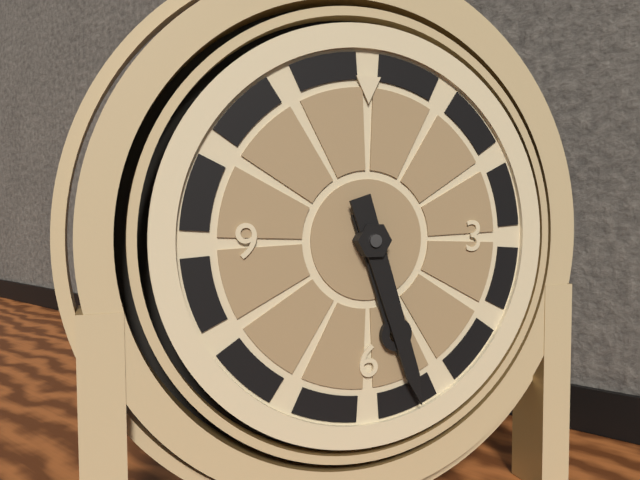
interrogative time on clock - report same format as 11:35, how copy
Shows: 5:27
